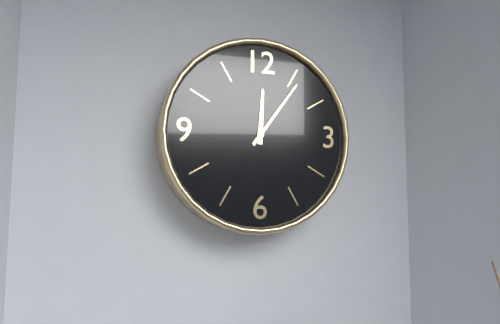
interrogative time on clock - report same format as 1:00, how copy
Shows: 12:06
